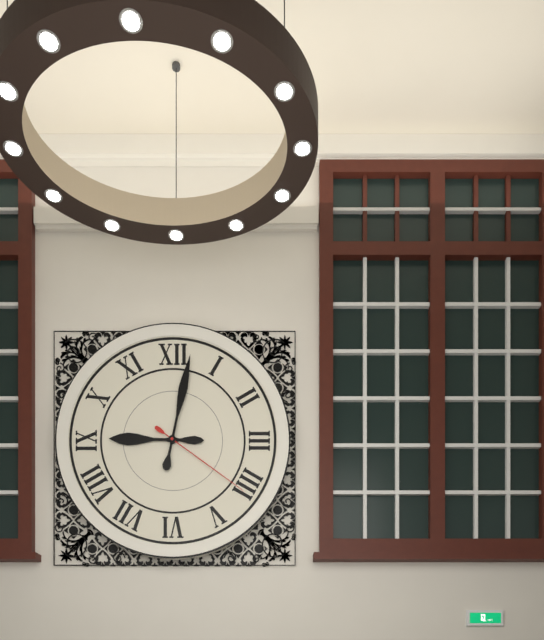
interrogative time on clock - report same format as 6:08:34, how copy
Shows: 9:02:21
